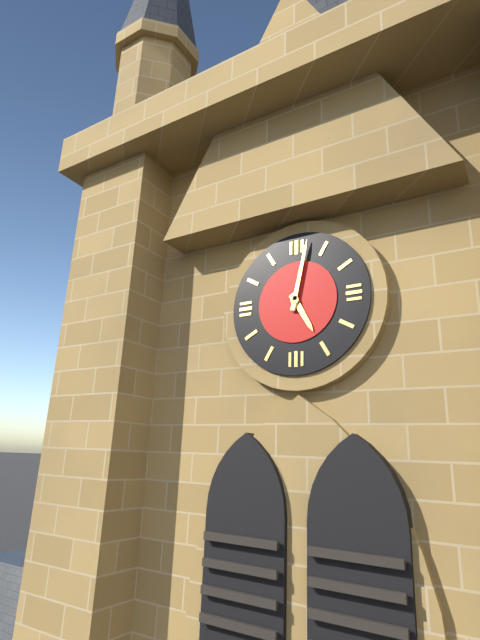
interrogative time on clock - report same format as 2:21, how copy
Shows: 5:02
